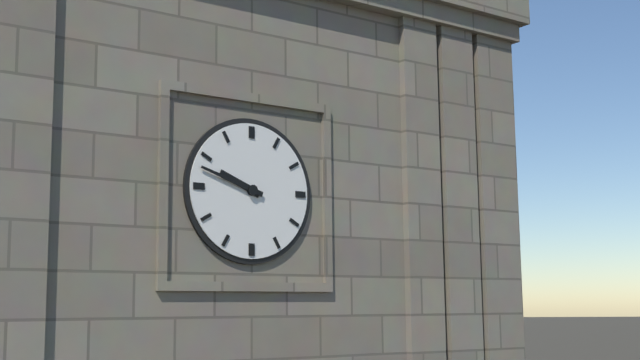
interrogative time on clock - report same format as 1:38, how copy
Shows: 9:48
